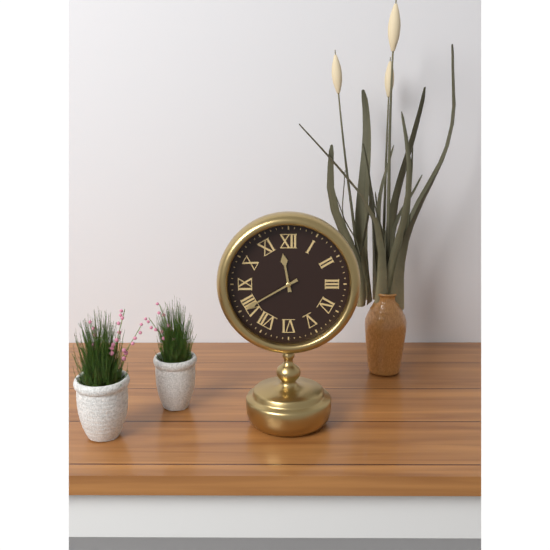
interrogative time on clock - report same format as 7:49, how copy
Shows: 11:40
